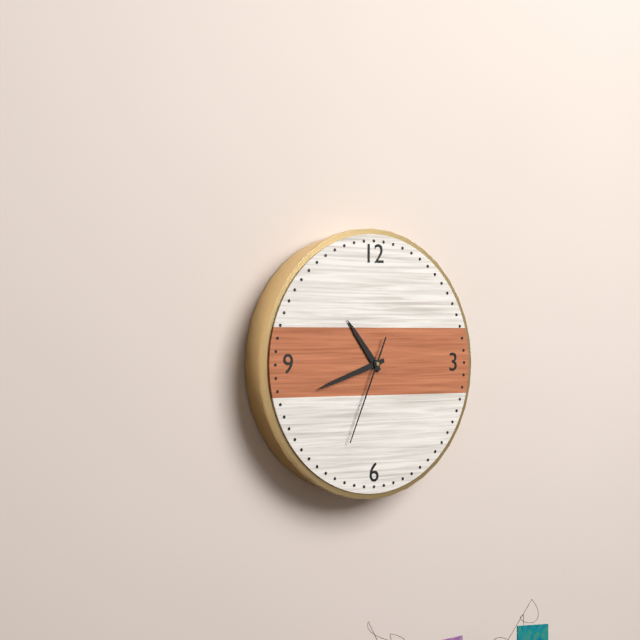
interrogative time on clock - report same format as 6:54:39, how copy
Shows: 10:42:34
